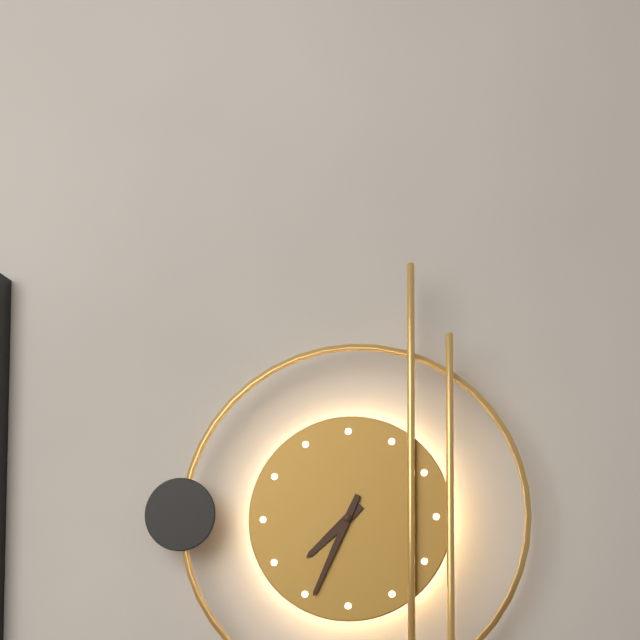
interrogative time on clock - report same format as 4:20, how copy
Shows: 7:34
